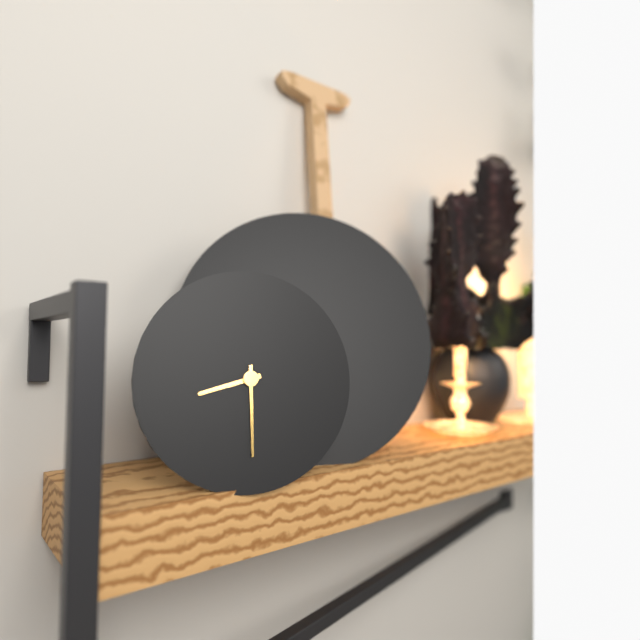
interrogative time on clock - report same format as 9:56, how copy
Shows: 8:30
